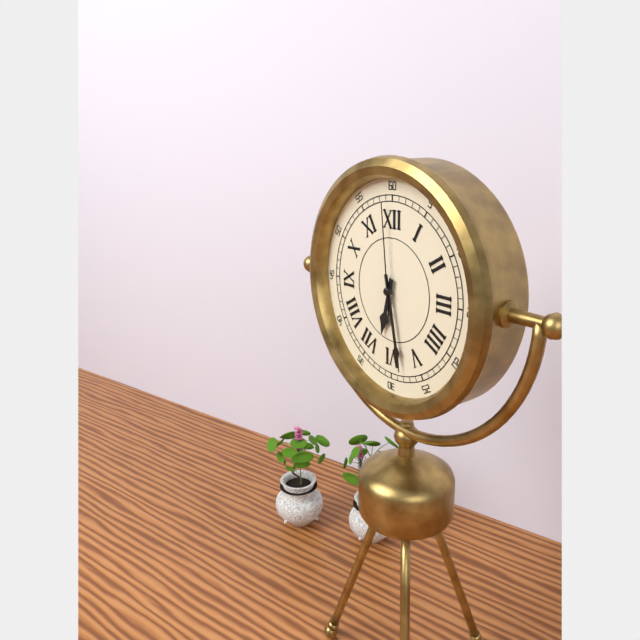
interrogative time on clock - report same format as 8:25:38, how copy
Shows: 6:28:59
